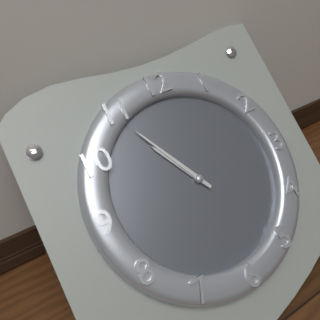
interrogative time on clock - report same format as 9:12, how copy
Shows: 10:55
